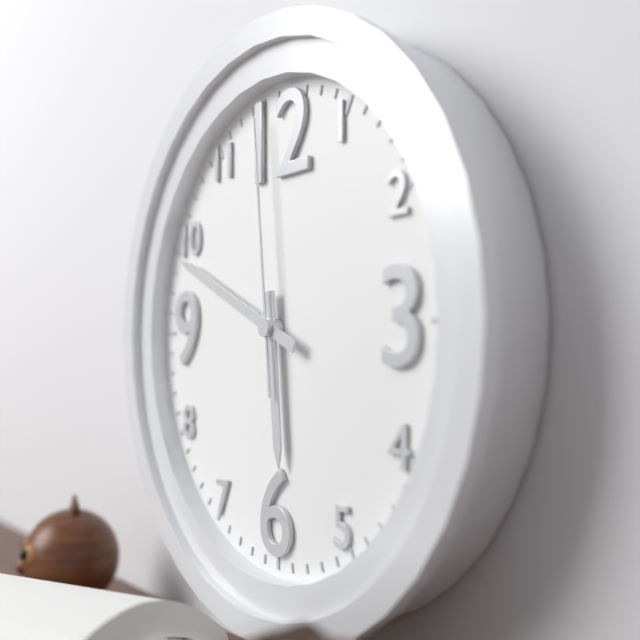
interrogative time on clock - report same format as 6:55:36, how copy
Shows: 5:49:59
